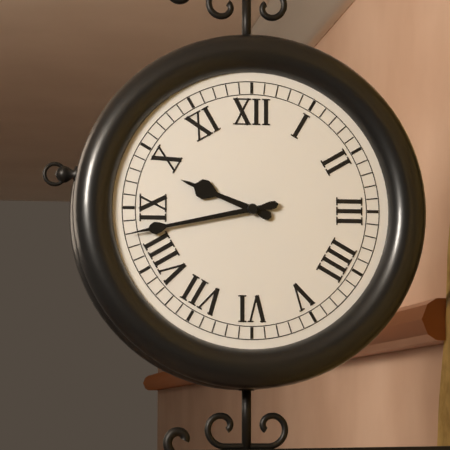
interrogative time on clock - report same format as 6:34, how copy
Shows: 9:43
